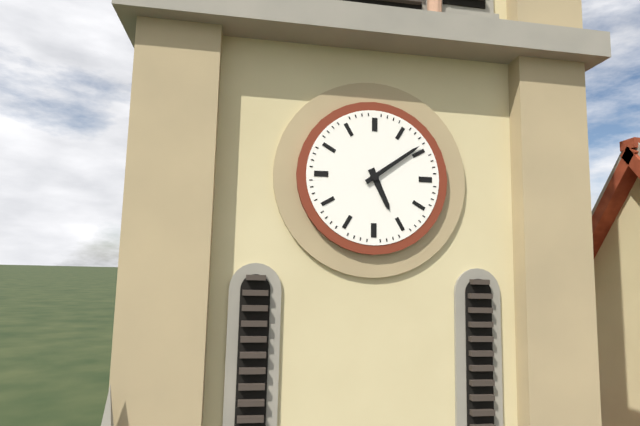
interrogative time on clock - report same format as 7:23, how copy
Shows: 5:09
